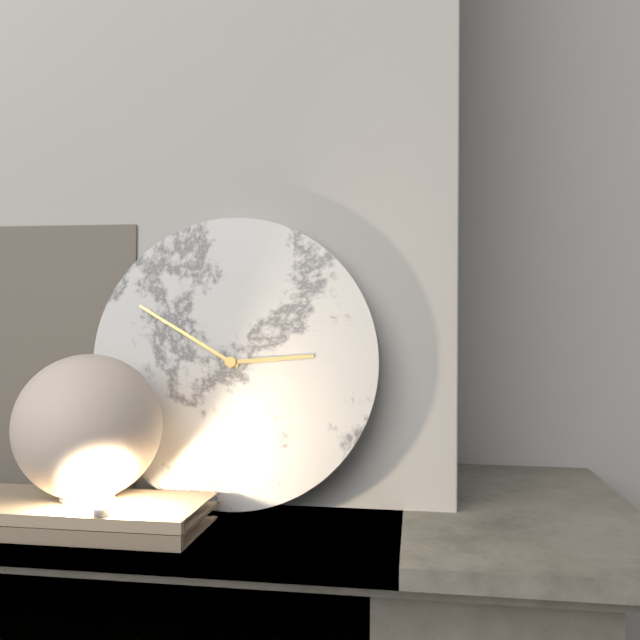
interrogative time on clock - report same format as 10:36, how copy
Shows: 2:50
